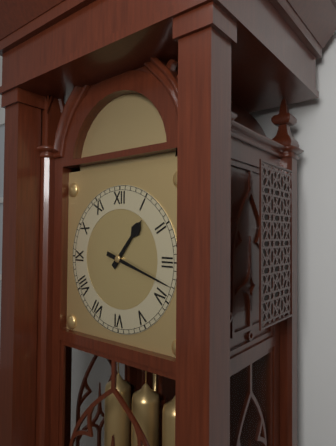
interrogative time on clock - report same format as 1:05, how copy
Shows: 1:18
